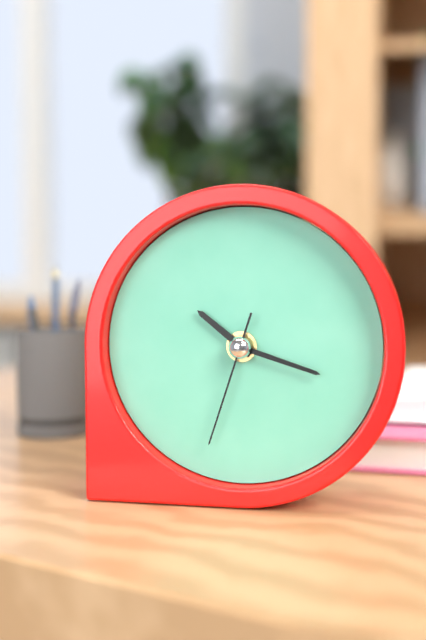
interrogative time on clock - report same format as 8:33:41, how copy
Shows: 10:18:33
